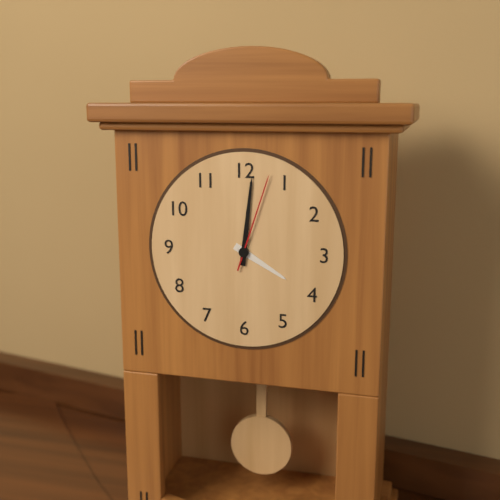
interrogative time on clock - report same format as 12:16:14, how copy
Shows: 4:01:03
